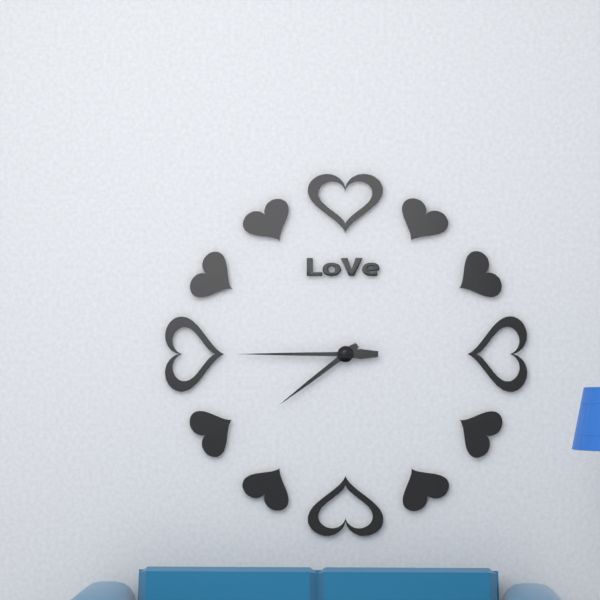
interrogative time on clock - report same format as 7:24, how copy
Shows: 7:45
